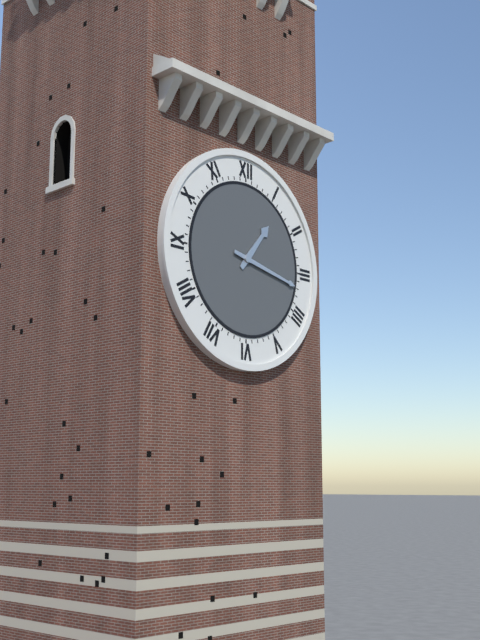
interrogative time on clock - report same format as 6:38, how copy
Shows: 1:17
